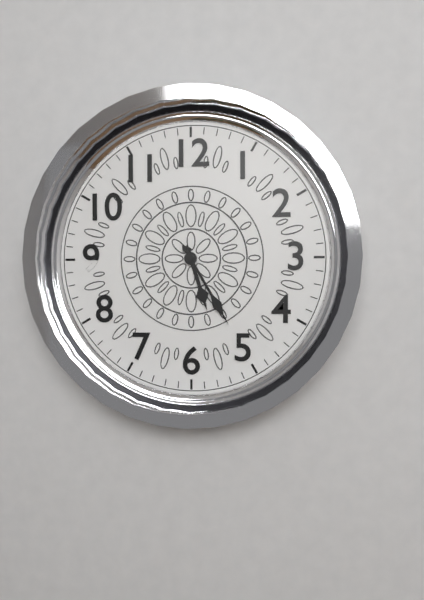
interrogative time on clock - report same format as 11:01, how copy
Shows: 5:25
